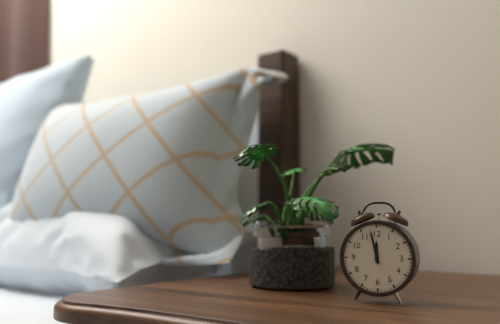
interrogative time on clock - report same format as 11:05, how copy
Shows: 11:58
